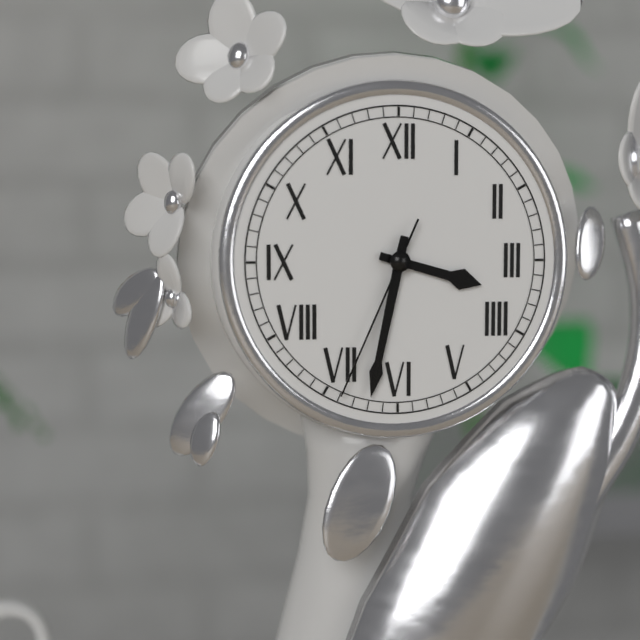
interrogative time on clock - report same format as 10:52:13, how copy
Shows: 3:32:34
